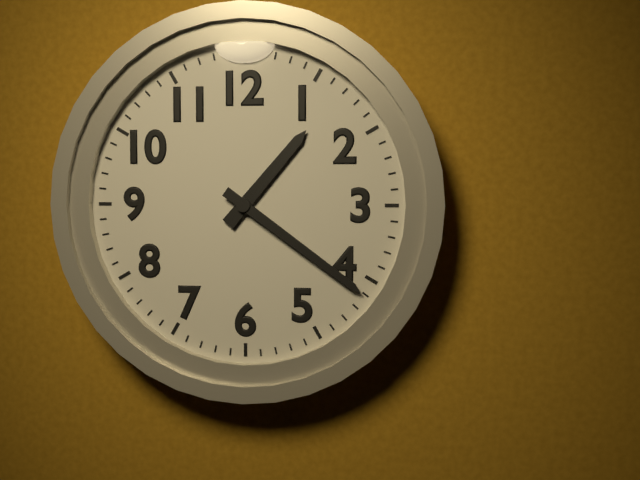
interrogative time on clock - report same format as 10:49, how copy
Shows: 1:21
